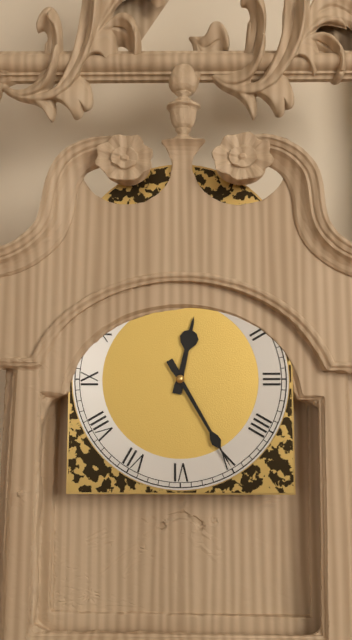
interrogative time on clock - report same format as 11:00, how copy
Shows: 12:25
